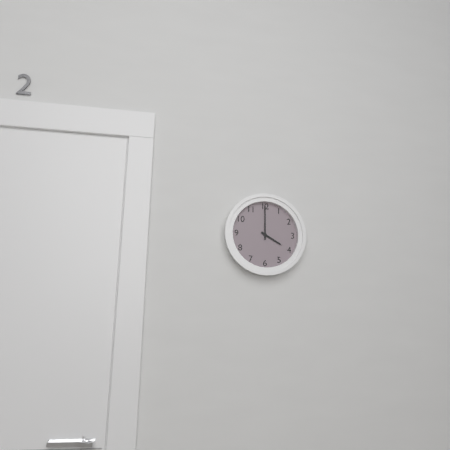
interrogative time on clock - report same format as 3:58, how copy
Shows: 4:00
